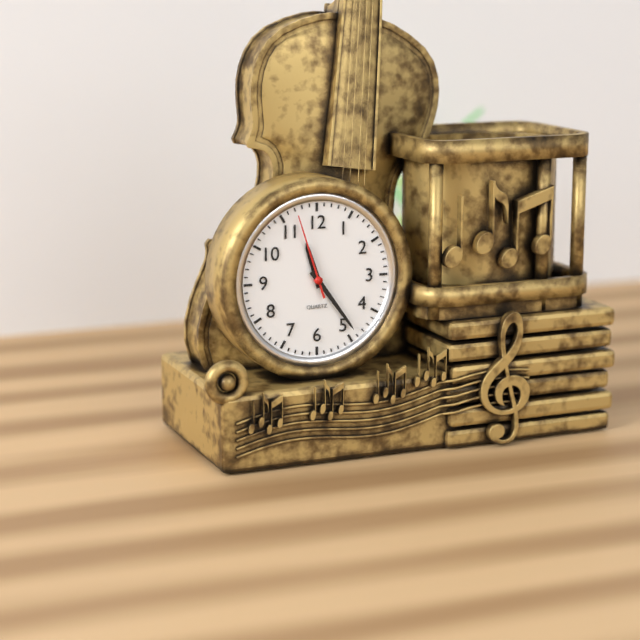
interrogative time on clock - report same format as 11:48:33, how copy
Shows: 11:24:57
